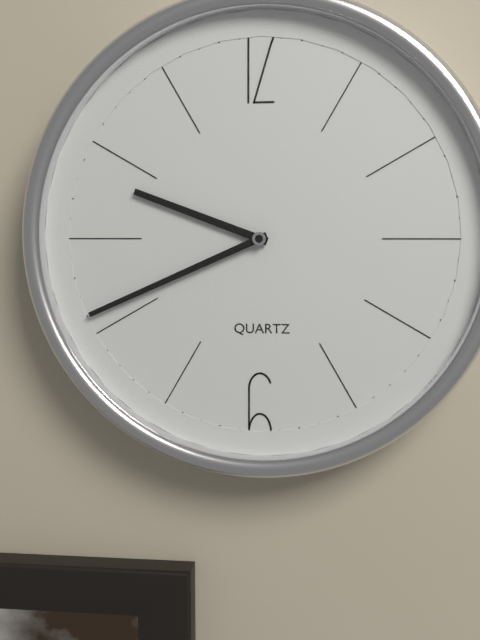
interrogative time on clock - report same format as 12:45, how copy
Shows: 9:41
